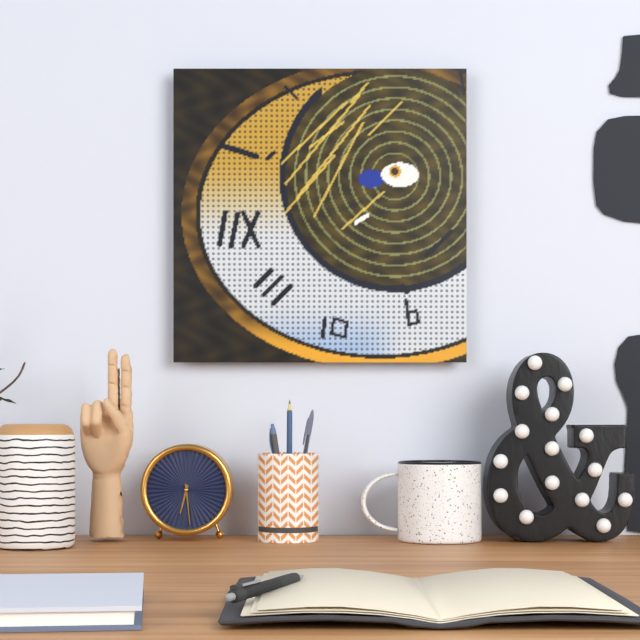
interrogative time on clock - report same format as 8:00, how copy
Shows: 6:29
